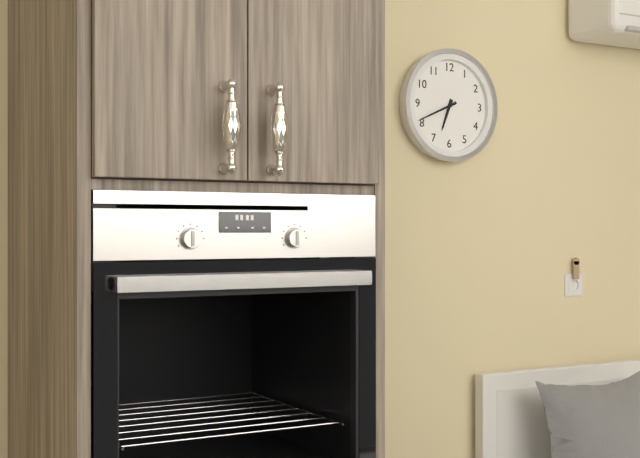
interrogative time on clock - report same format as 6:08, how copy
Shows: 6:41
